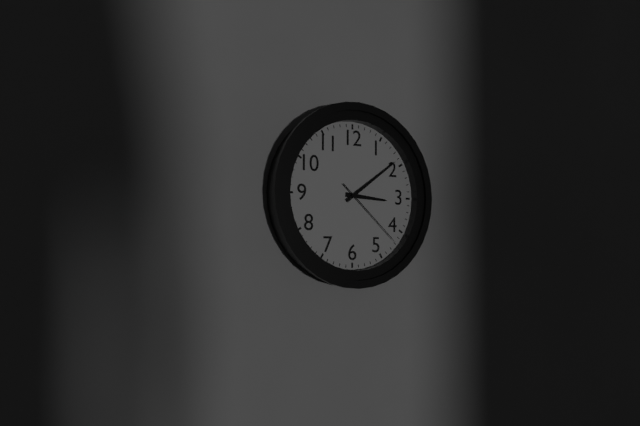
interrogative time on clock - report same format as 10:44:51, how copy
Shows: 3:09:22
